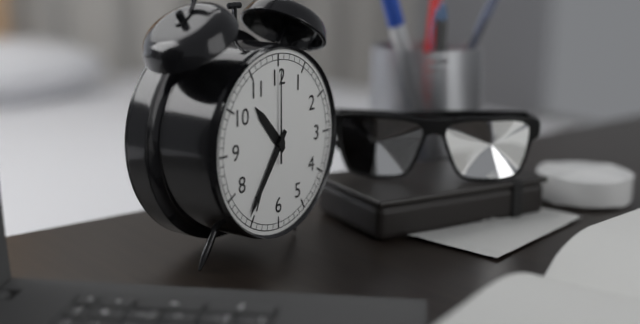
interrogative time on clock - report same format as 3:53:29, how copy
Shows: 10:36:00
